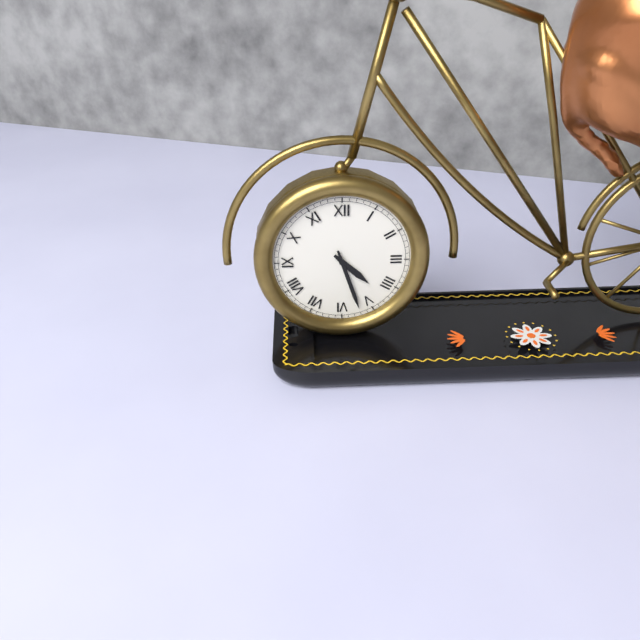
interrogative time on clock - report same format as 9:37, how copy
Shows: 4:27
